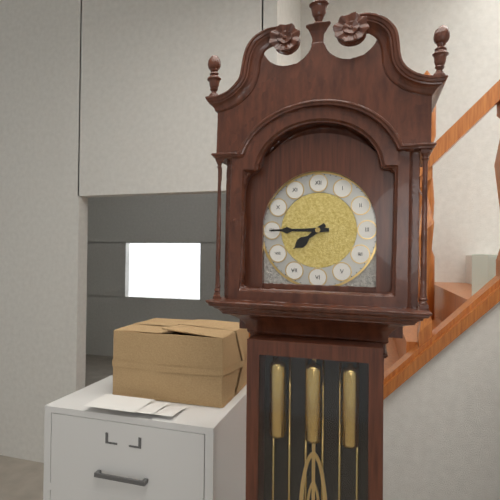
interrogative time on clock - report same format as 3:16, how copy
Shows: 7:45
